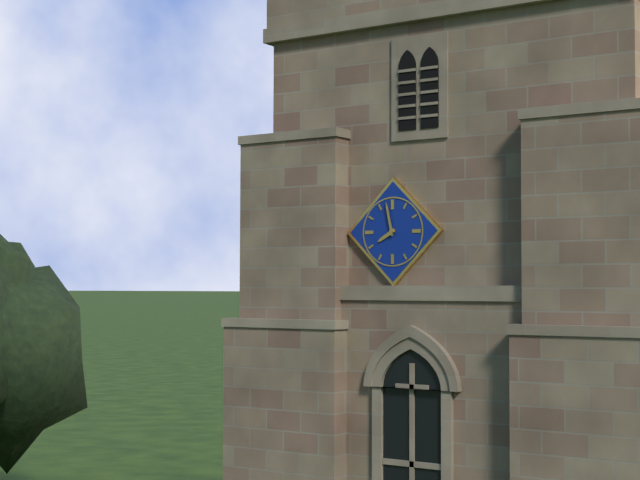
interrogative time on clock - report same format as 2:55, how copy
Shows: 7:58
